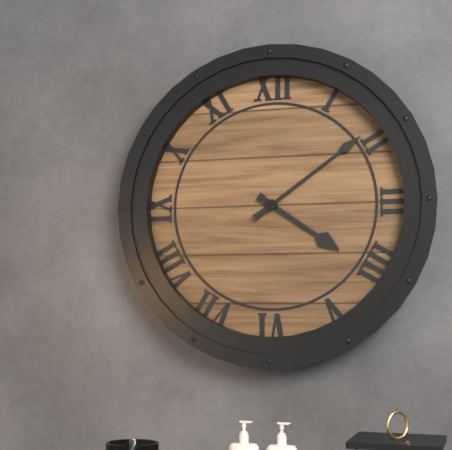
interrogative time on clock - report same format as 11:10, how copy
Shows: 4:09
